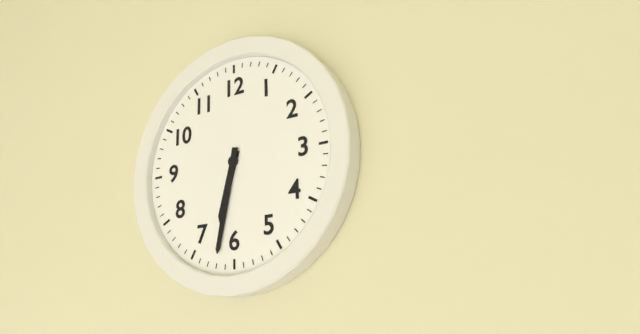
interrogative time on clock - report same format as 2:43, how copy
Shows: 6:32
